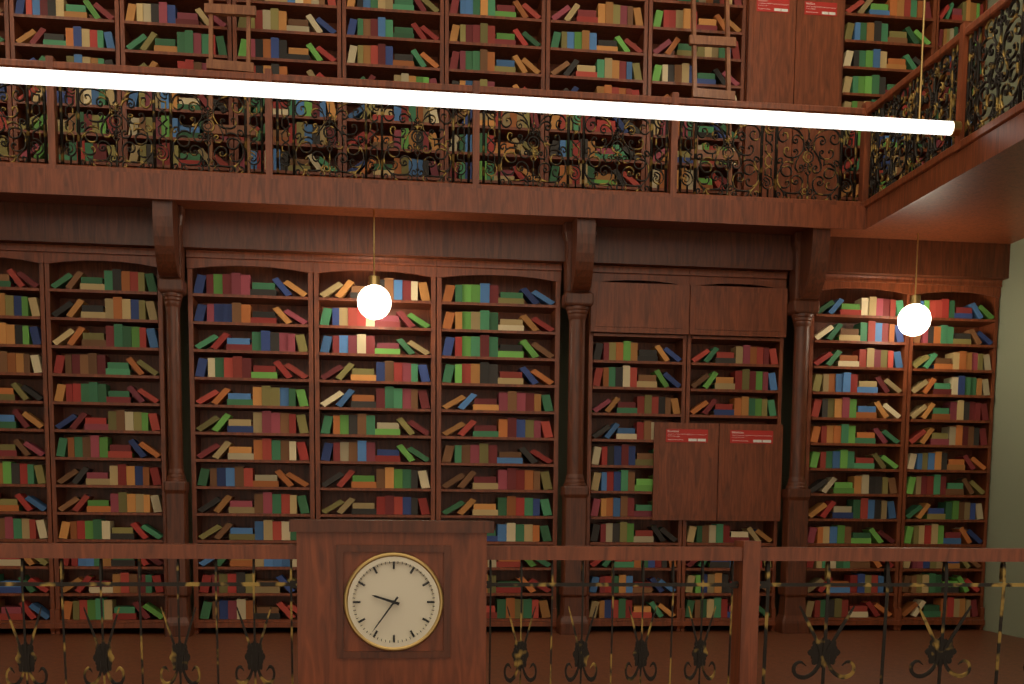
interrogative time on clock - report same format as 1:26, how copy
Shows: 9:36
